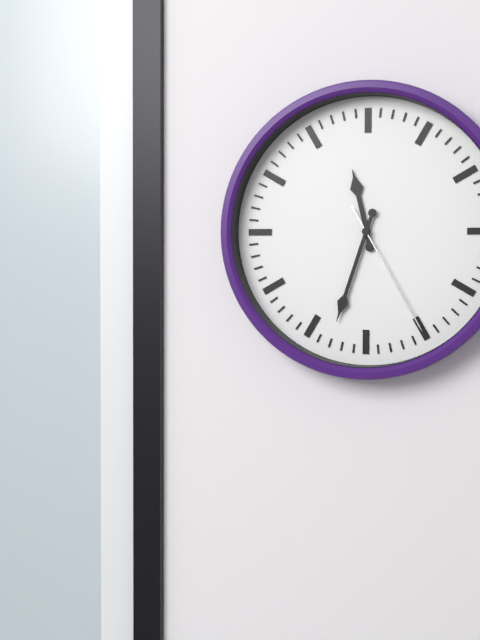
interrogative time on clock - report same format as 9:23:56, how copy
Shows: 11:33:25
